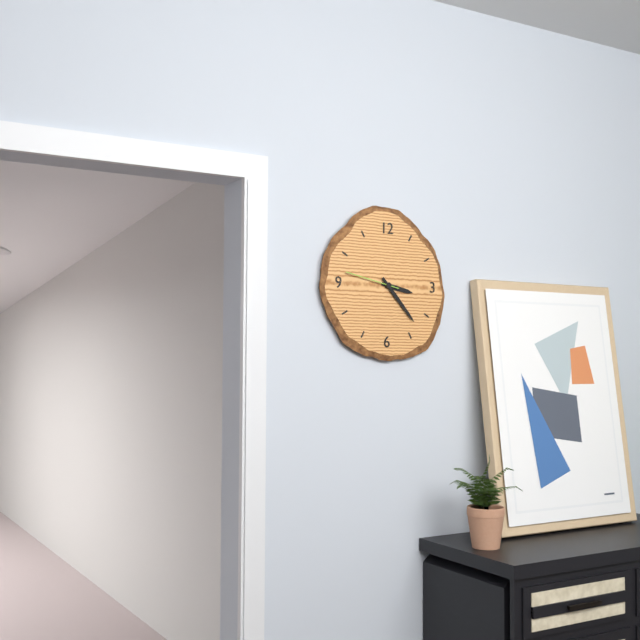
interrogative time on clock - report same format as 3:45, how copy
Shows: 3:23
